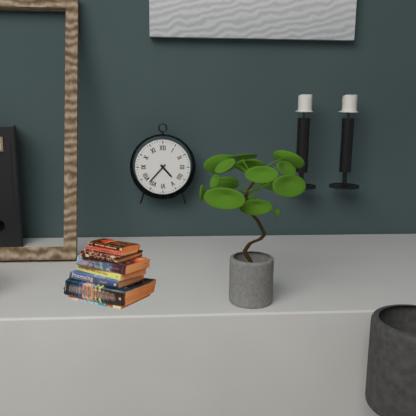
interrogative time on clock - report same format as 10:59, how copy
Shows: 4:37
